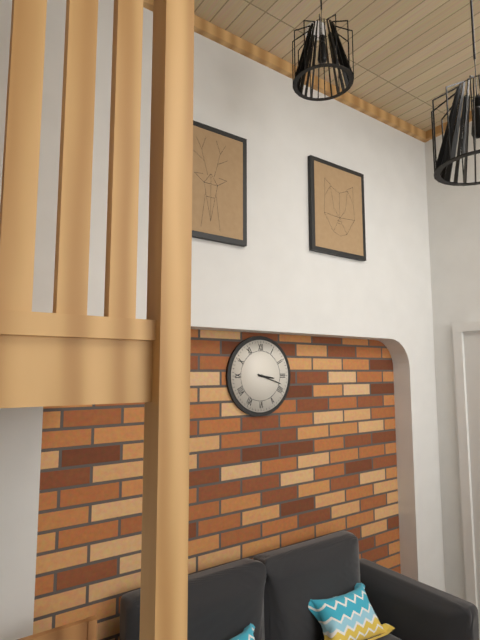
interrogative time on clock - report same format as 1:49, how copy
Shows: 3:18
